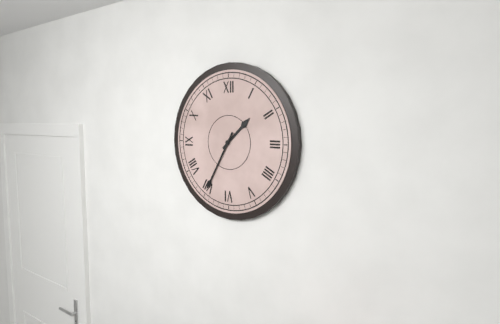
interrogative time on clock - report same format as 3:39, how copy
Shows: 1:35
